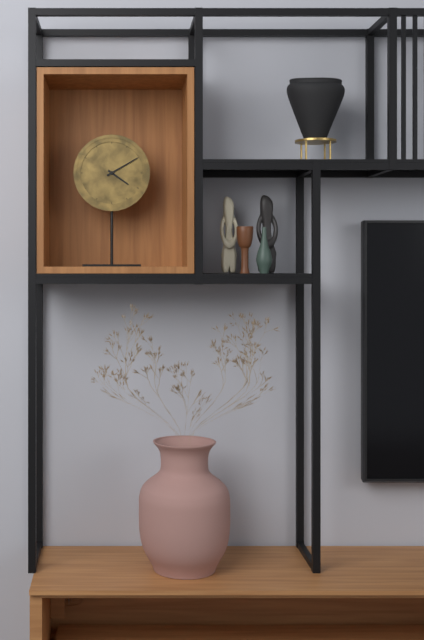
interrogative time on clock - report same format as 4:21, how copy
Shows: 4:10
